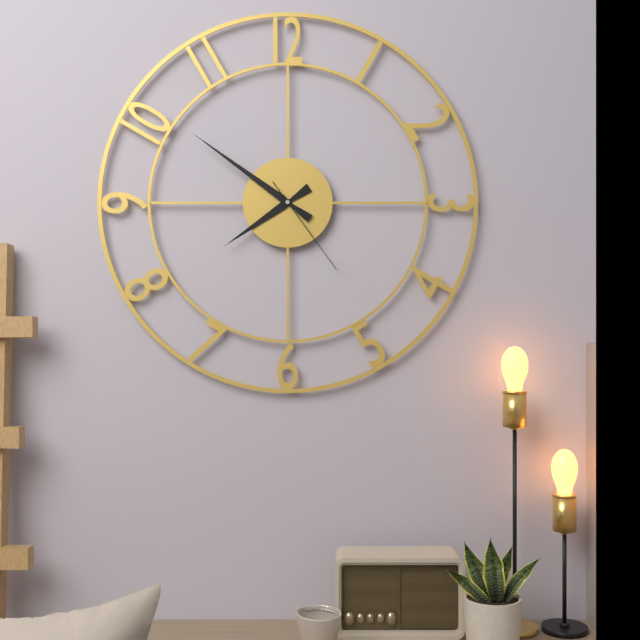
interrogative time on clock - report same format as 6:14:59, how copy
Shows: 7:51:24
